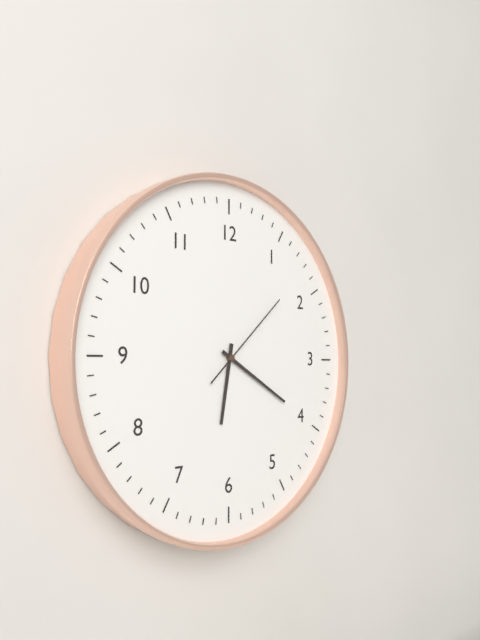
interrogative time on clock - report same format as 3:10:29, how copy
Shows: 6:20:08
